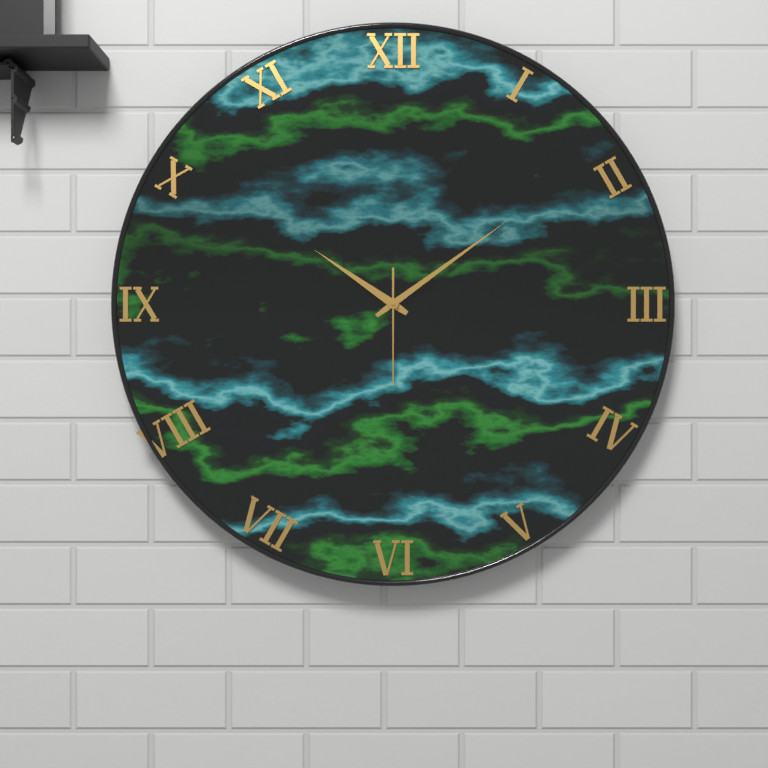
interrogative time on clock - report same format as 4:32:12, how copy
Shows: 10:09:30
